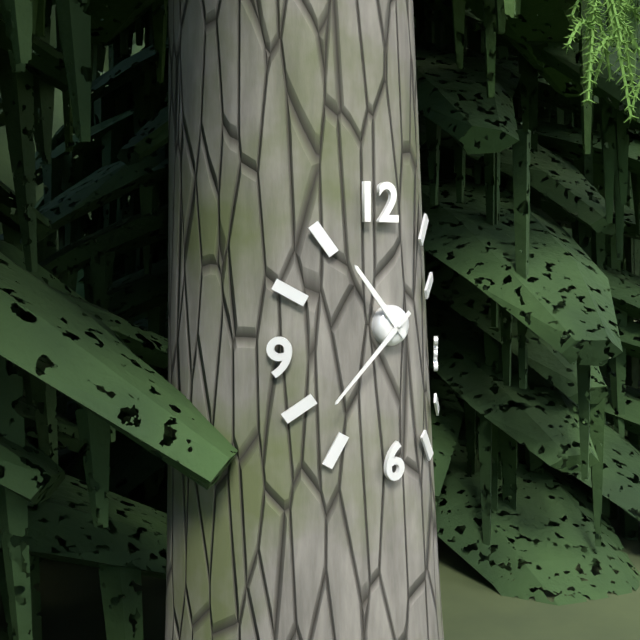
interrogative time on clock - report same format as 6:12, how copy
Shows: 10:38
